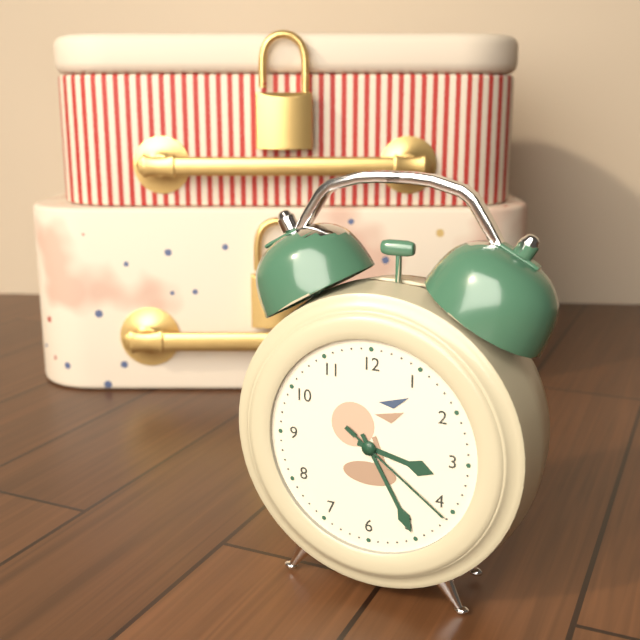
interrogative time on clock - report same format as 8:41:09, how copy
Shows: 3:25:21
